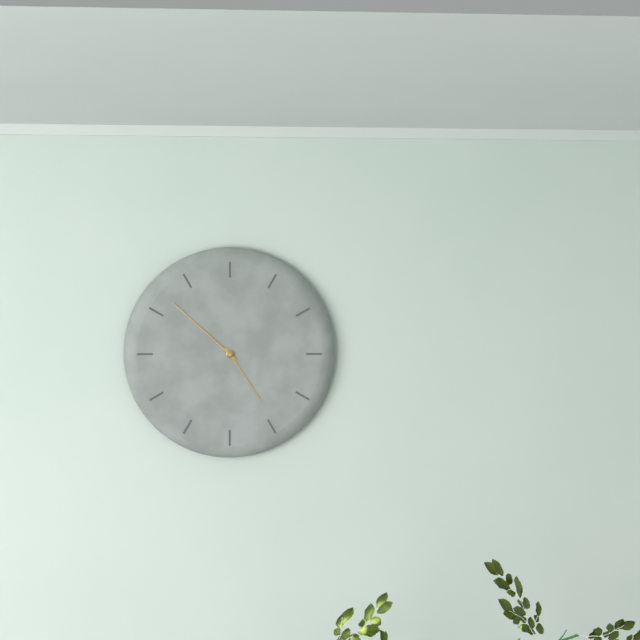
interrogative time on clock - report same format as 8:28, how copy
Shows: 4:52
